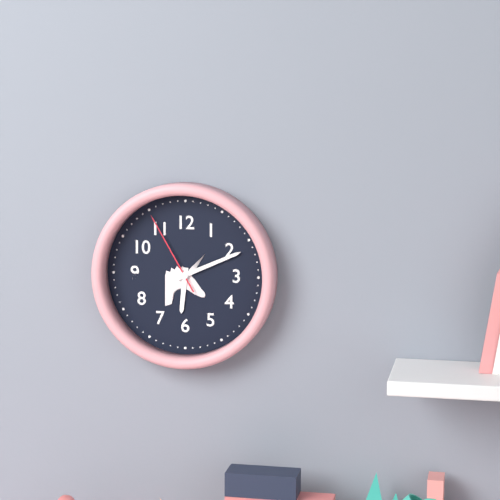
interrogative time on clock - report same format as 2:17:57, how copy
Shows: 6:11:55
